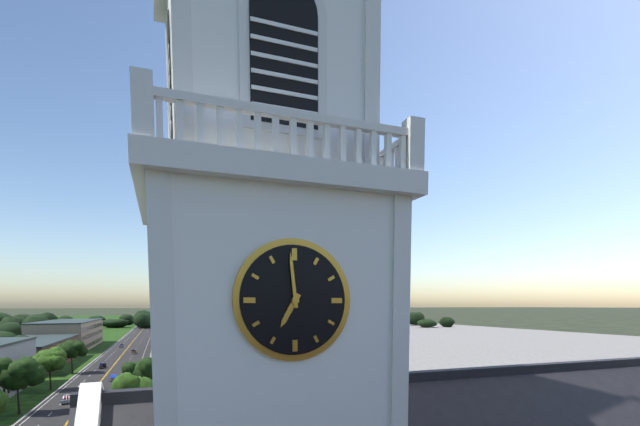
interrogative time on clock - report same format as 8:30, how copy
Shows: 6:59
